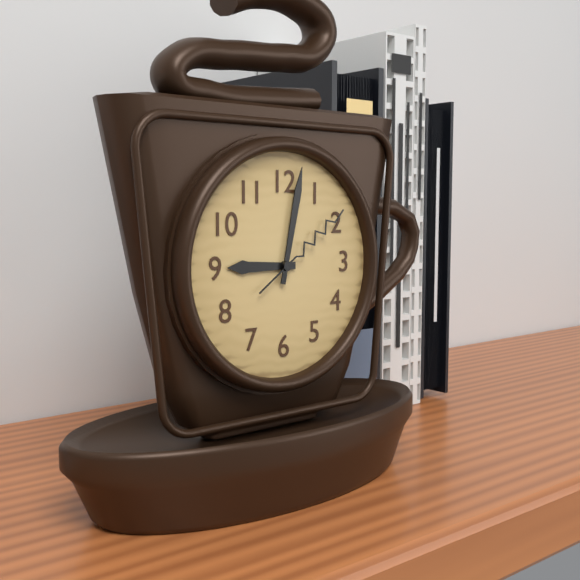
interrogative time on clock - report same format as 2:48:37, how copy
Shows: 9:02:09
